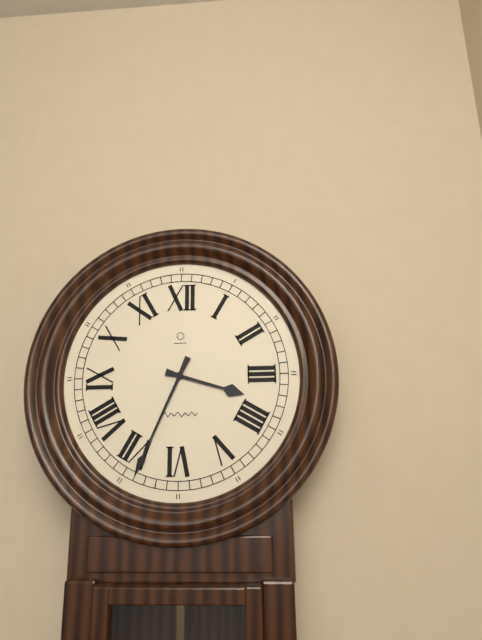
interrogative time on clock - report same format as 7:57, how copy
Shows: 3:34
